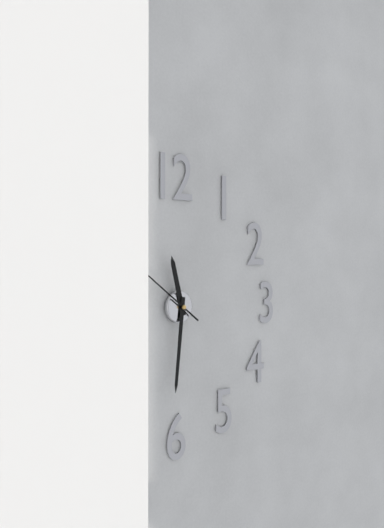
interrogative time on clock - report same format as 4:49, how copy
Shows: 11:31
